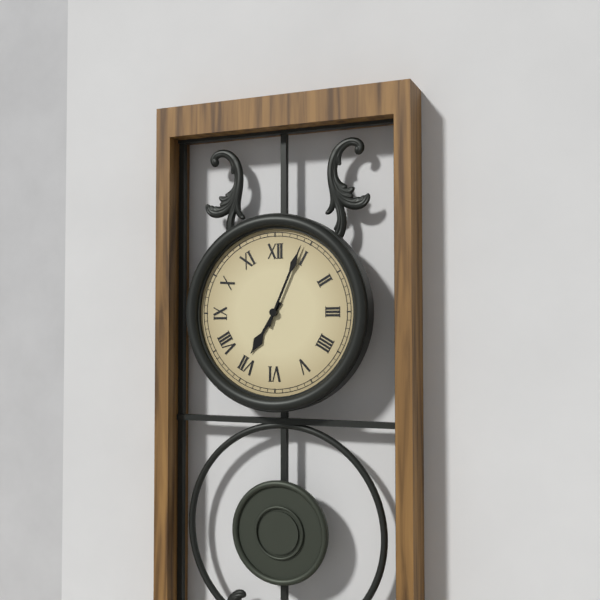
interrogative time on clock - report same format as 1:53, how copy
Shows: 7:04
